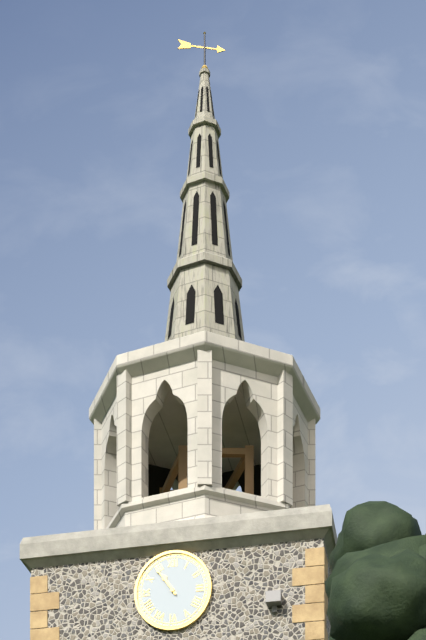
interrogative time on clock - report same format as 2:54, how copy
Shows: 10:54
